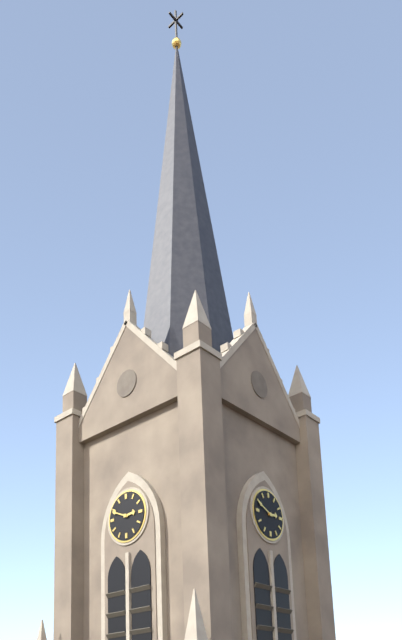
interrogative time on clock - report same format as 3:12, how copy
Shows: 2:49
